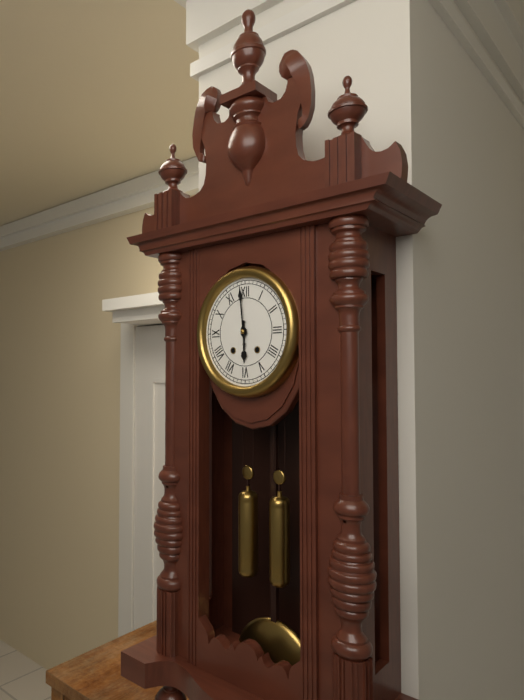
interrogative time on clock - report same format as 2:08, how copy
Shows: 5:59
